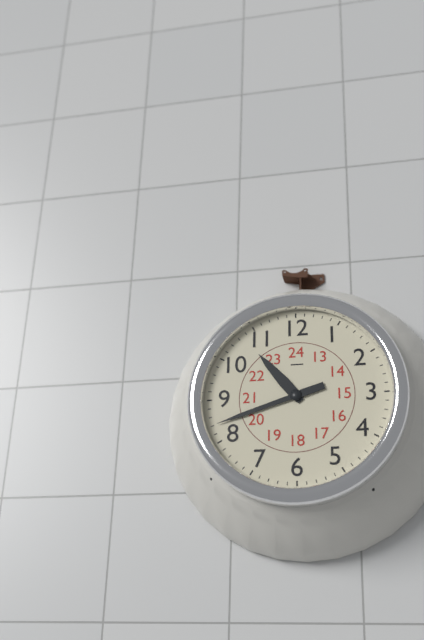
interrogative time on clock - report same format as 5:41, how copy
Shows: 10:42
